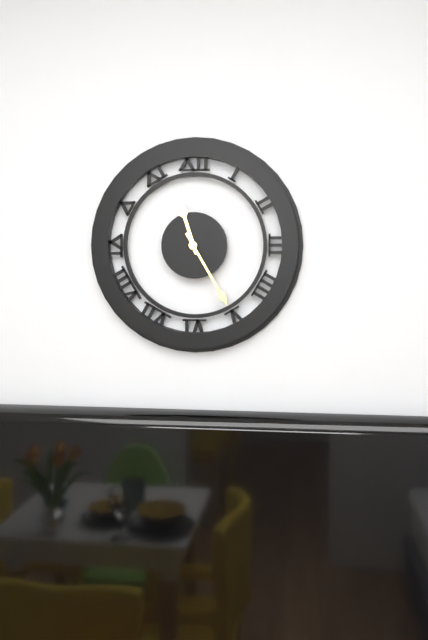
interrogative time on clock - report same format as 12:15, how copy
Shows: 11:25
